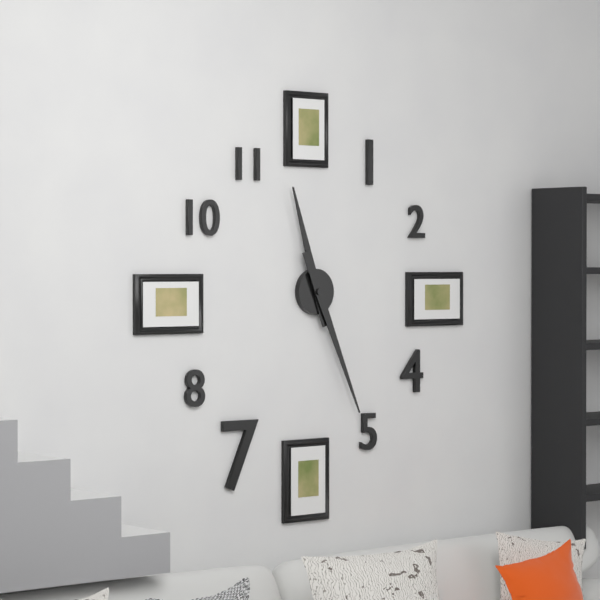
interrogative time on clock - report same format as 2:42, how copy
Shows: 11:26
